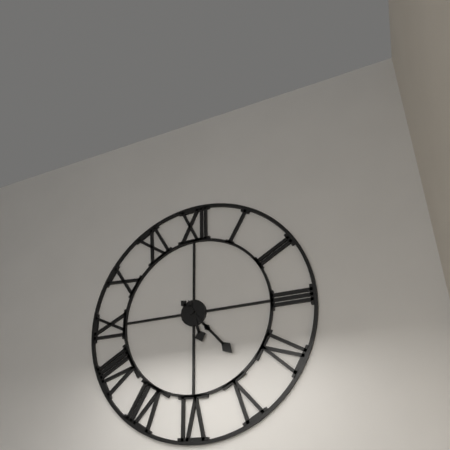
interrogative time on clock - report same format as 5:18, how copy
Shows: 5:23
